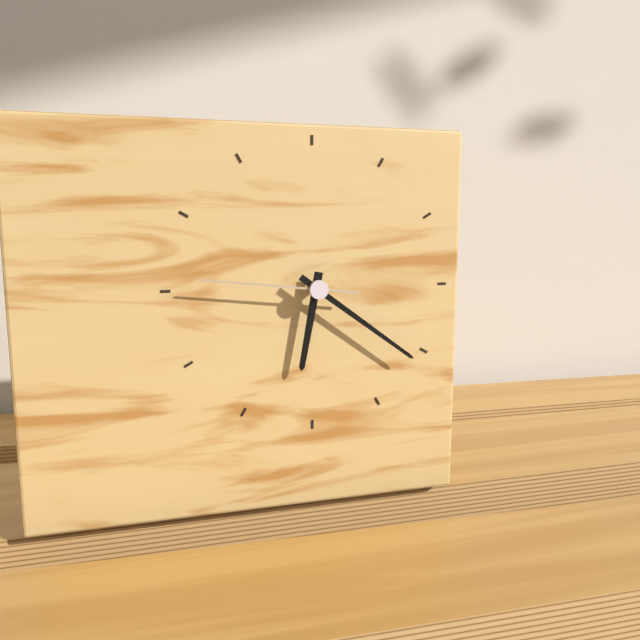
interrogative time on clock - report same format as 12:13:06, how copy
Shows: 6:21:46
